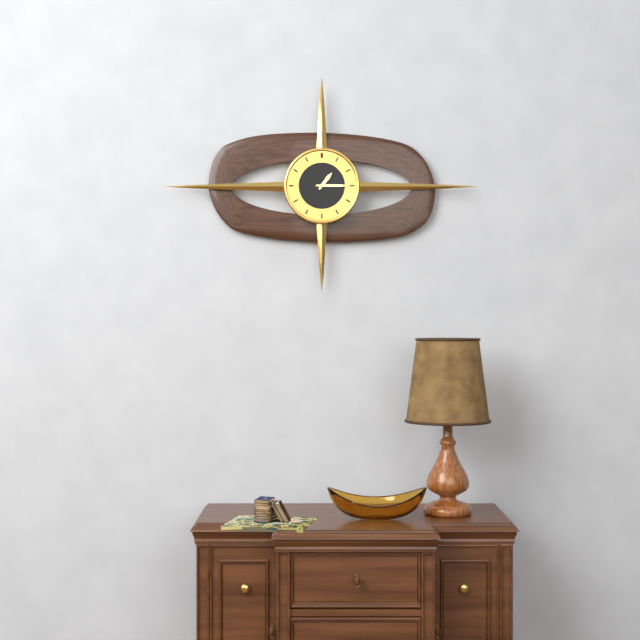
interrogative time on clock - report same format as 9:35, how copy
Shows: 1:15
